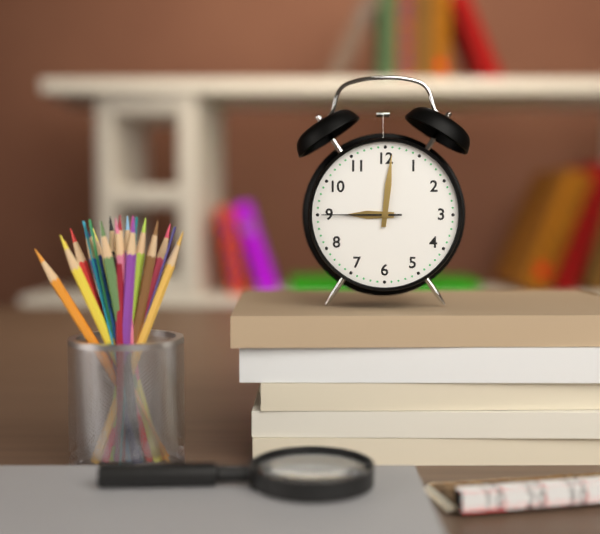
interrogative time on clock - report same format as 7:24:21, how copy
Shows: 9:01:45
